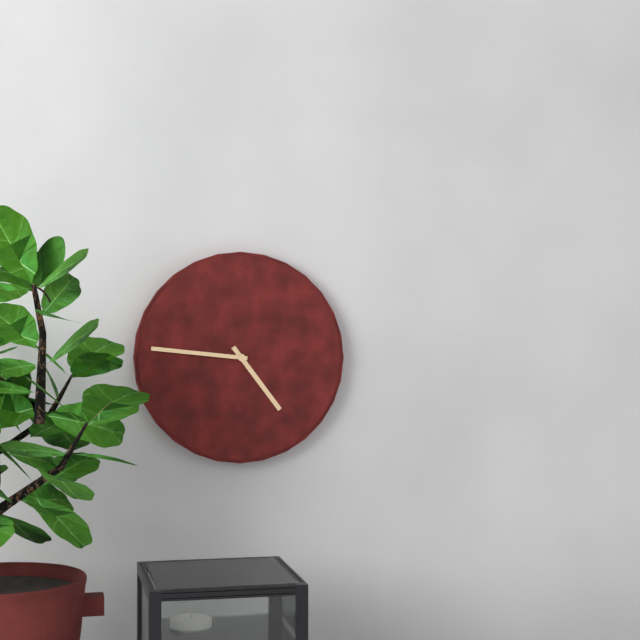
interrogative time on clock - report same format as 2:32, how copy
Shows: 4:46
